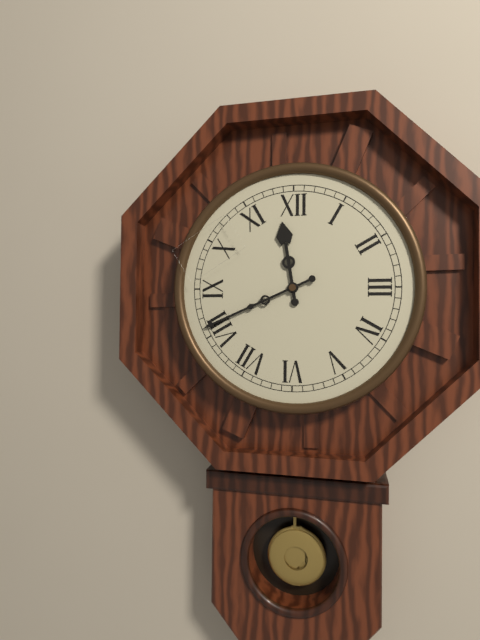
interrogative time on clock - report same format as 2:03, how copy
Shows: 11:41
